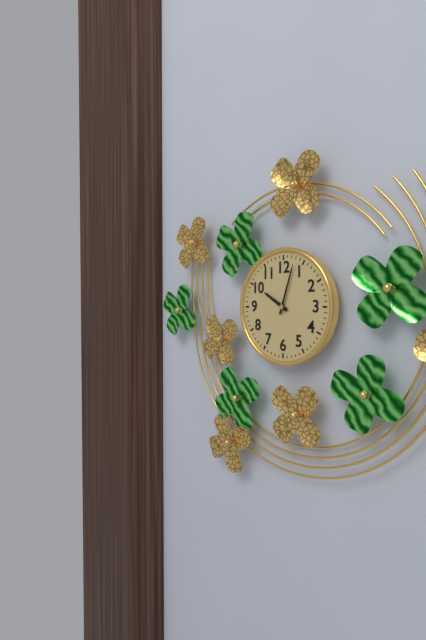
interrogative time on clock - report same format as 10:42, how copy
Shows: 10:03
